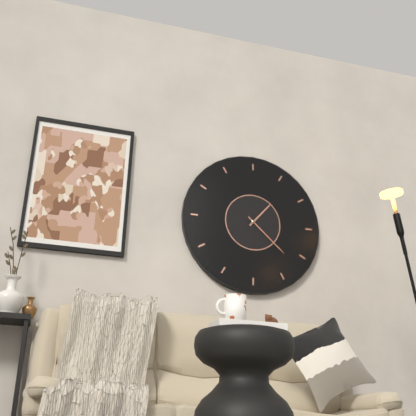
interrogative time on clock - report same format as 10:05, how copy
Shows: 1:22
